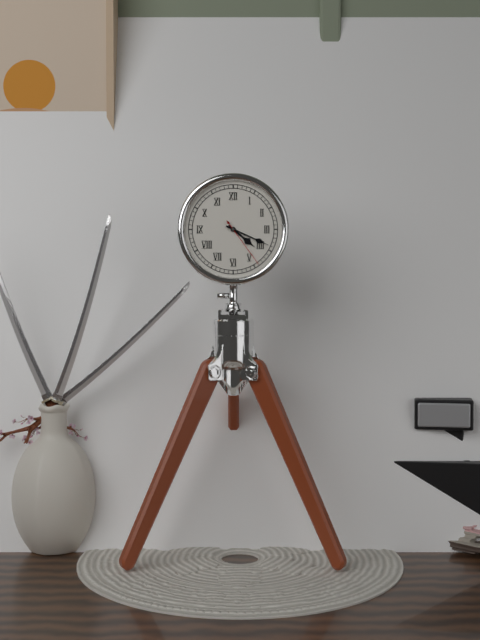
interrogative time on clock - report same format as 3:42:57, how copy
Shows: 4:19:24
